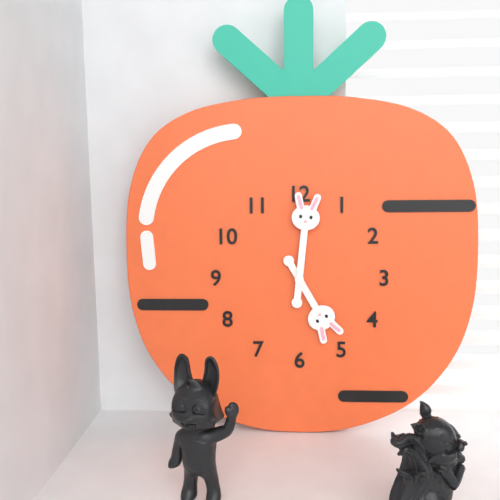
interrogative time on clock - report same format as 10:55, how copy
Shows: 5:01
